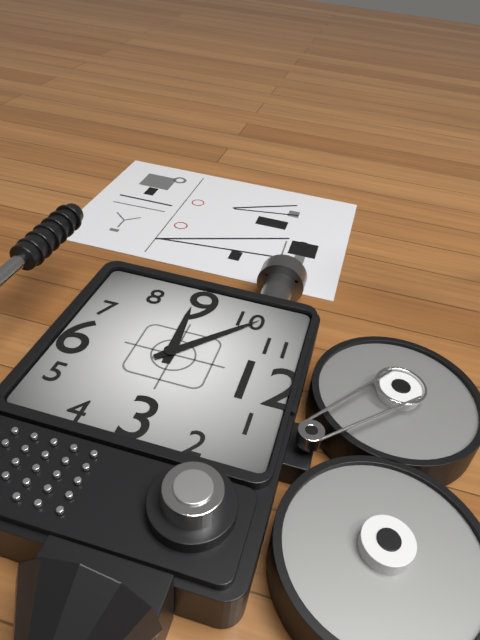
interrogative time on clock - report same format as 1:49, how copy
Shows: 8:52
